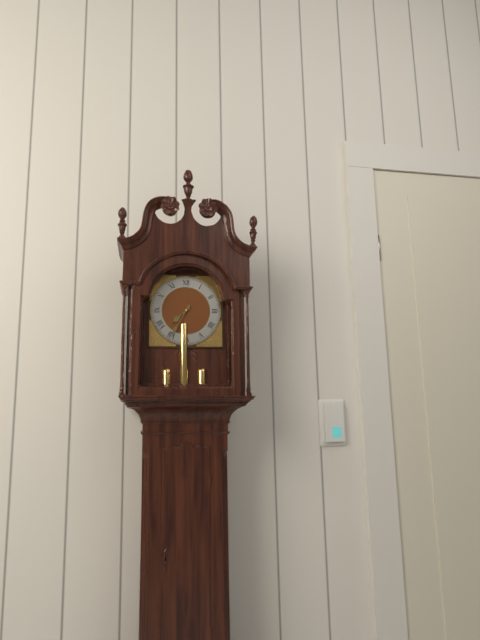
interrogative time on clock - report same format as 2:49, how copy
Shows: 7:35
